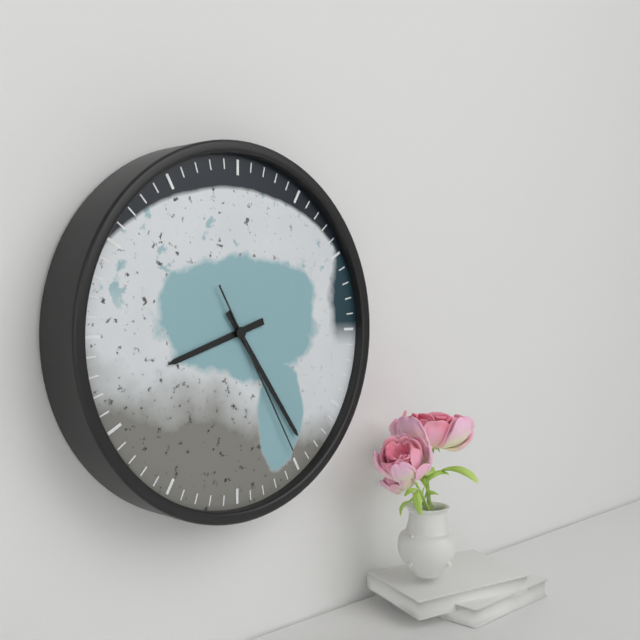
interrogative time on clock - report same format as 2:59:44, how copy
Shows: 8:24:25
